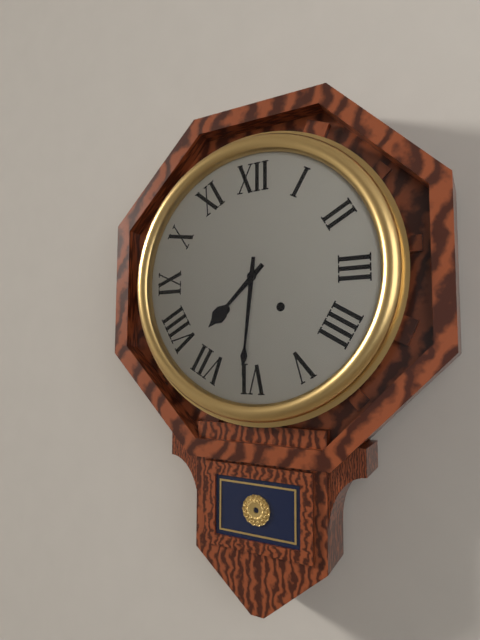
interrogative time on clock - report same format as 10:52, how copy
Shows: 7:31
